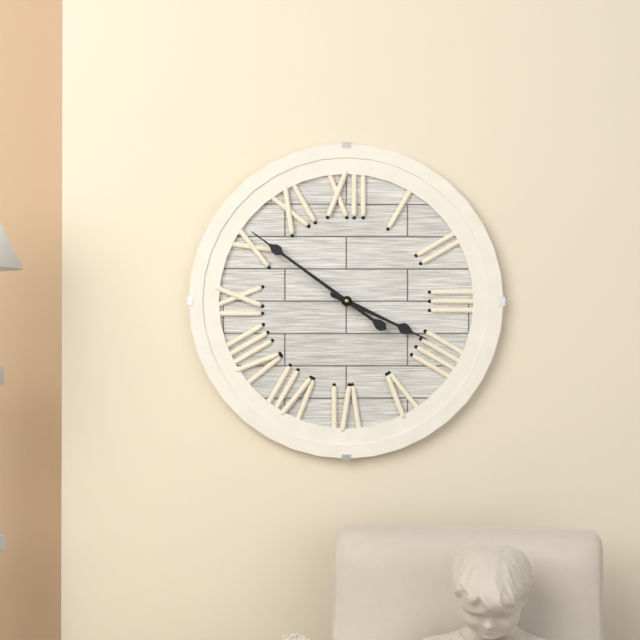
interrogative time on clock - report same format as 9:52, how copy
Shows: 3:51
